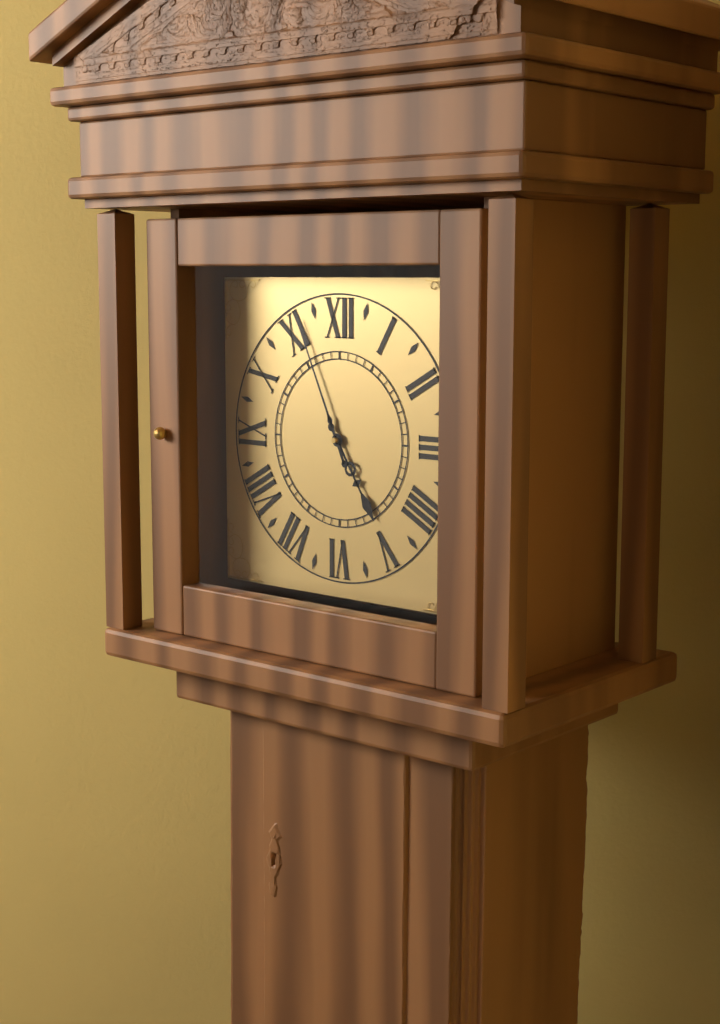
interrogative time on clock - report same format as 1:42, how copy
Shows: 4:56
